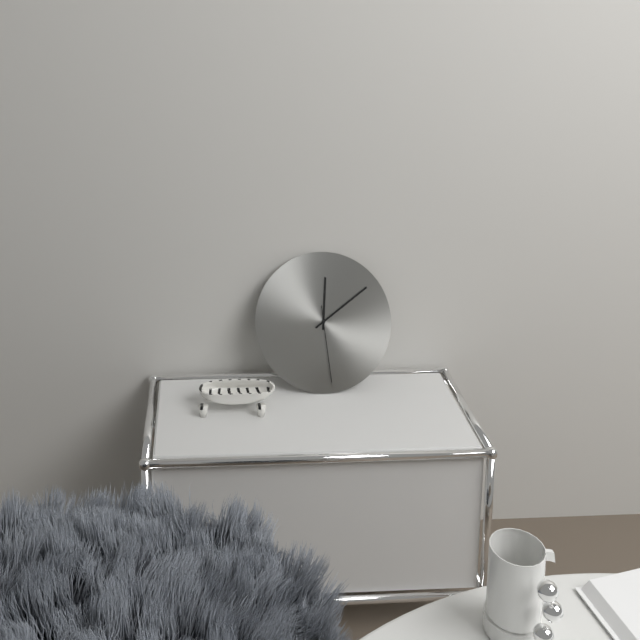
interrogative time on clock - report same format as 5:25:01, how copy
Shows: 12:09:29
